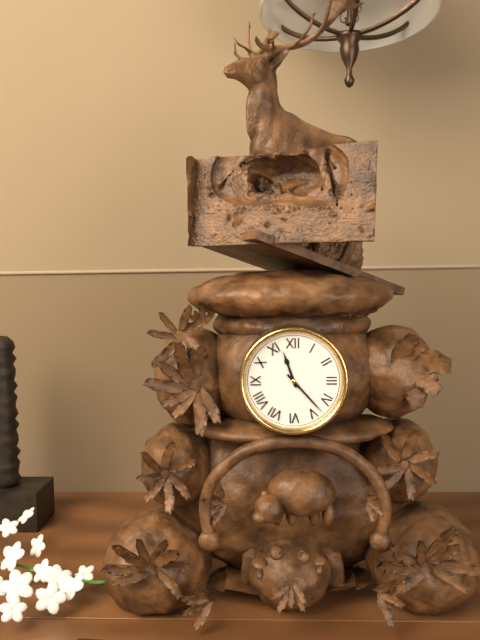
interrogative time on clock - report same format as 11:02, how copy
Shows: 11:23
